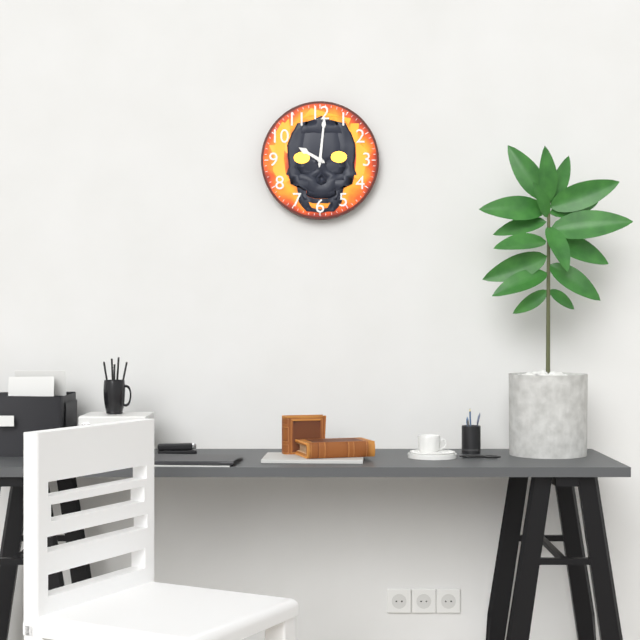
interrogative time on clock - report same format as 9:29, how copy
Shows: 10:01
